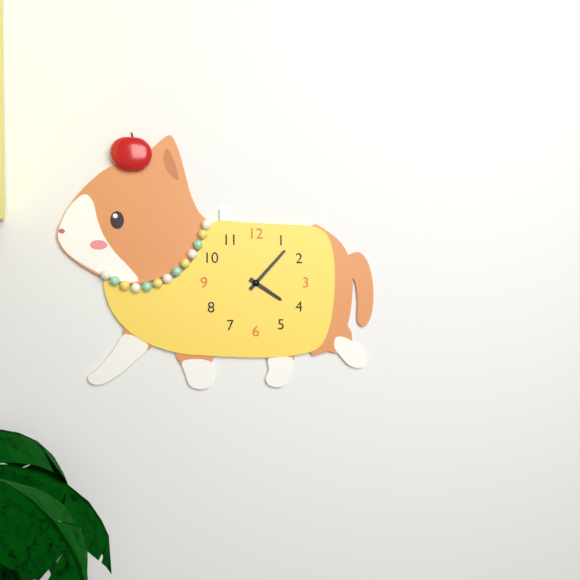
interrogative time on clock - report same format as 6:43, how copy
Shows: 4:07
